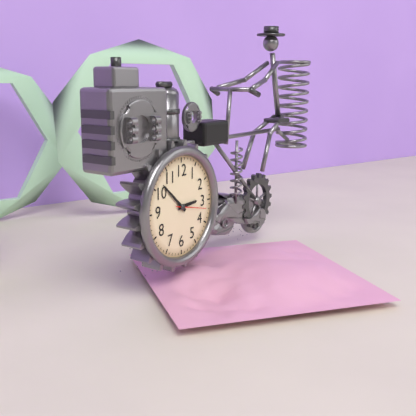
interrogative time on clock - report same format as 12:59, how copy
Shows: 2:52
